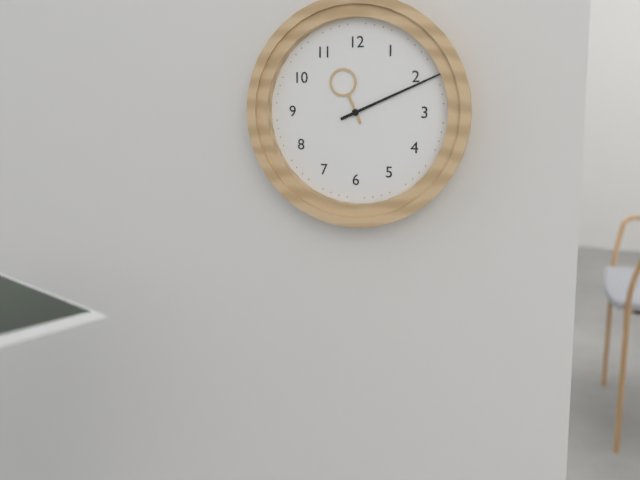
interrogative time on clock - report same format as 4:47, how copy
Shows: 11:11
